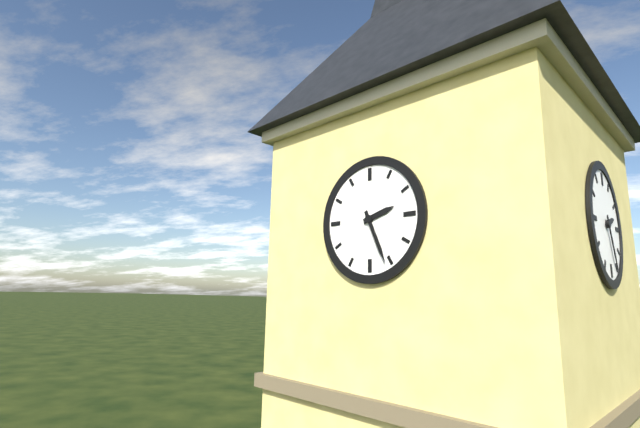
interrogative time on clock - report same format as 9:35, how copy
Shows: 2:26
